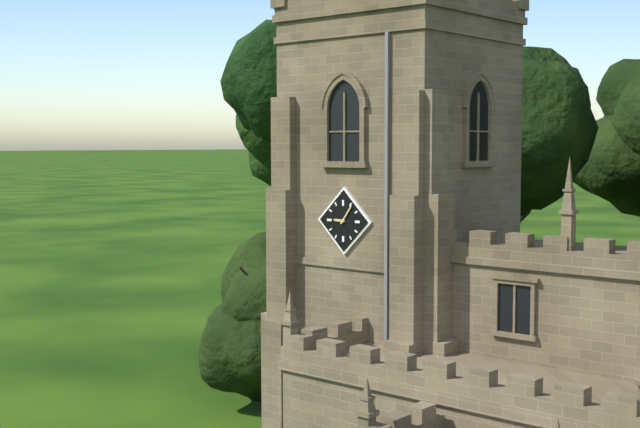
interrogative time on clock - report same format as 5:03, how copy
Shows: 9:06
